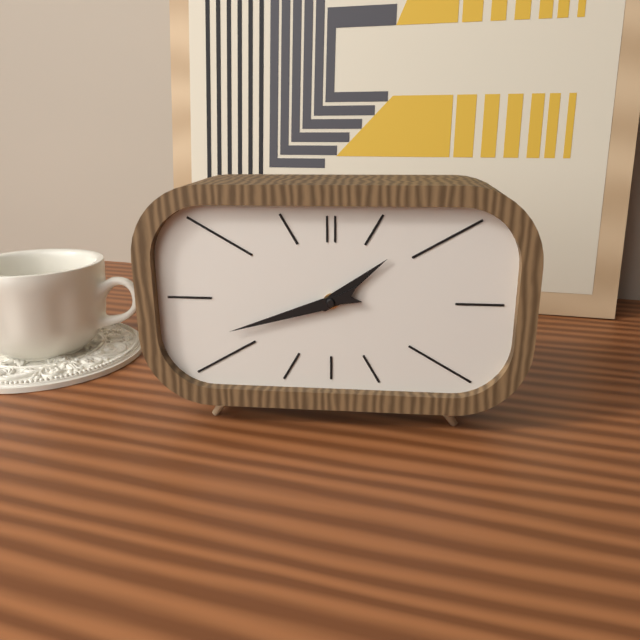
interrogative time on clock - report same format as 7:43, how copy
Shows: 1:42
